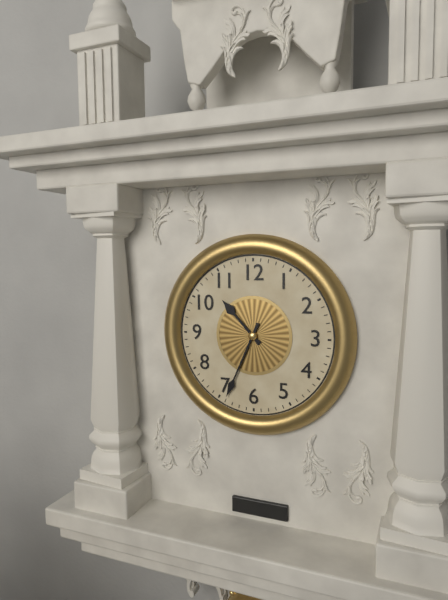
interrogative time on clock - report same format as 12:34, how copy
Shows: 10:34
